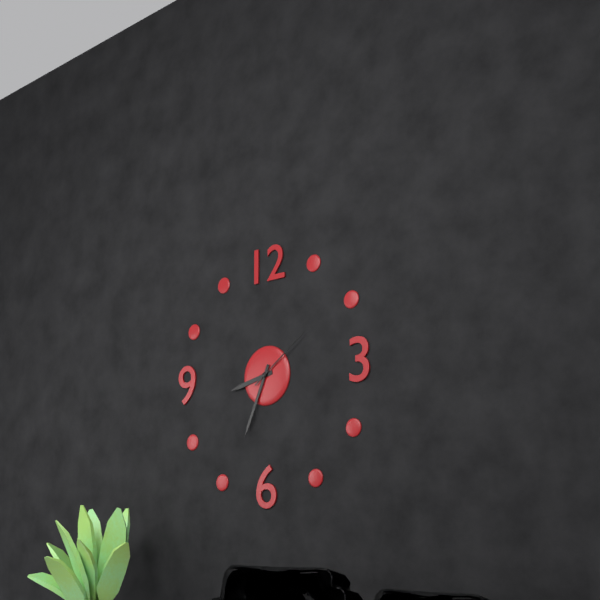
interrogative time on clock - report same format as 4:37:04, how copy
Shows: 8:34:09
